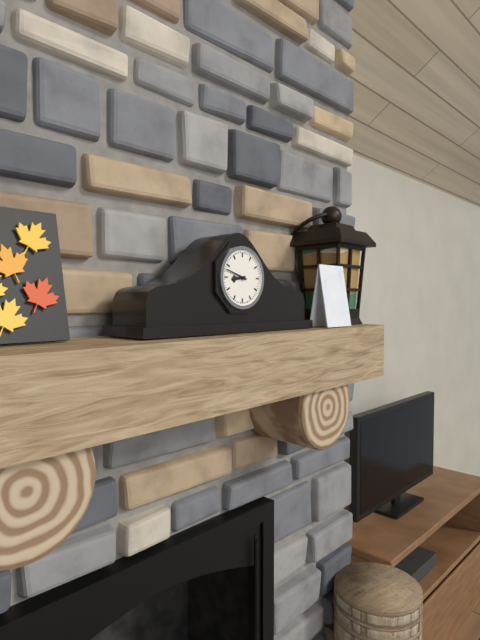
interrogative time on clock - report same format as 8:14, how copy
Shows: 8:48
